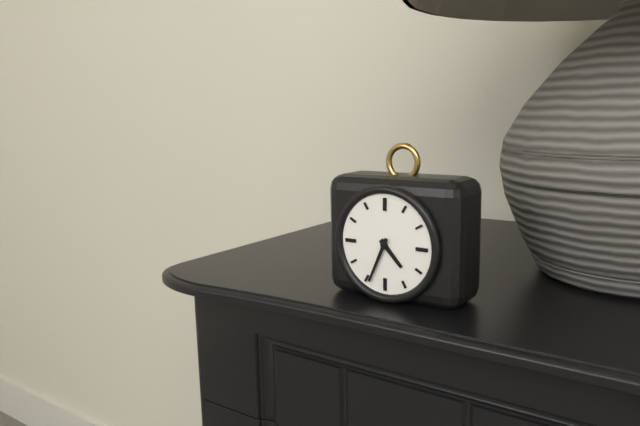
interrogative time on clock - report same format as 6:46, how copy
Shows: 4:34
